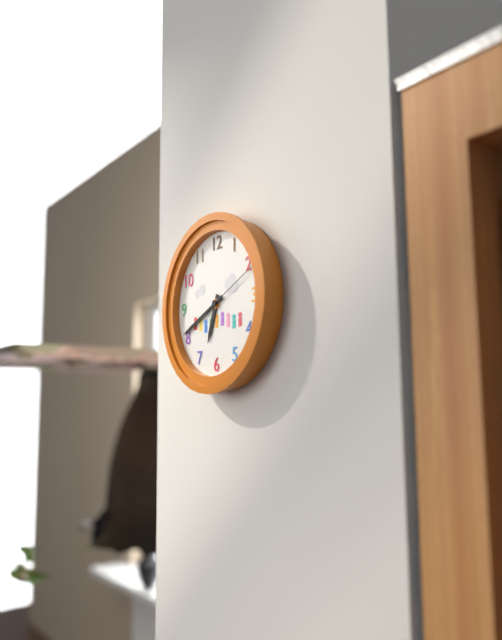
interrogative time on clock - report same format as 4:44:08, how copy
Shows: 6:41:11
